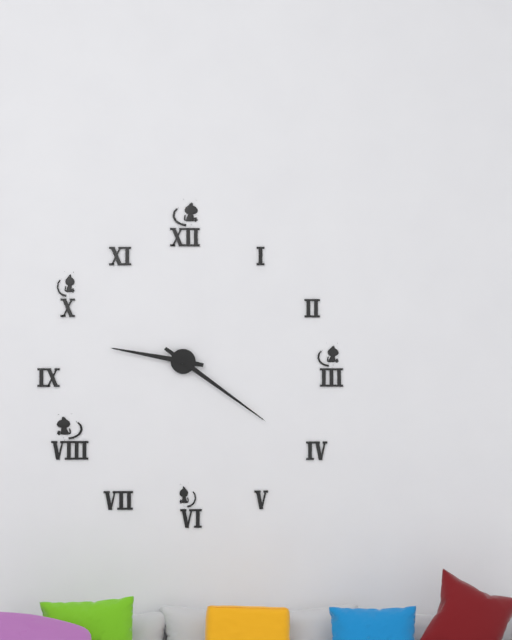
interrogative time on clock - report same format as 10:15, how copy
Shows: 9:21
